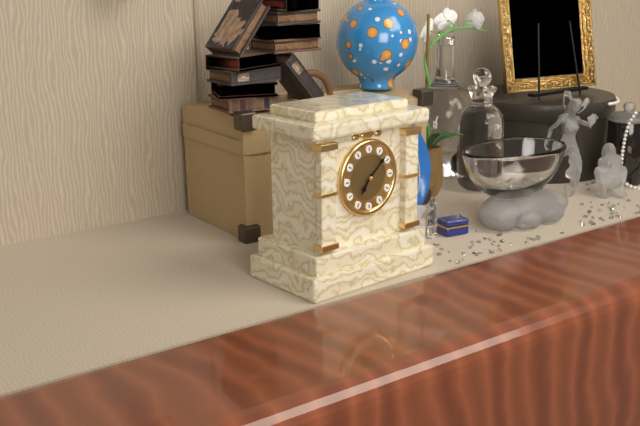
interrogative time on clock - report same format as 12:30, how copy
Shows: 7:08
